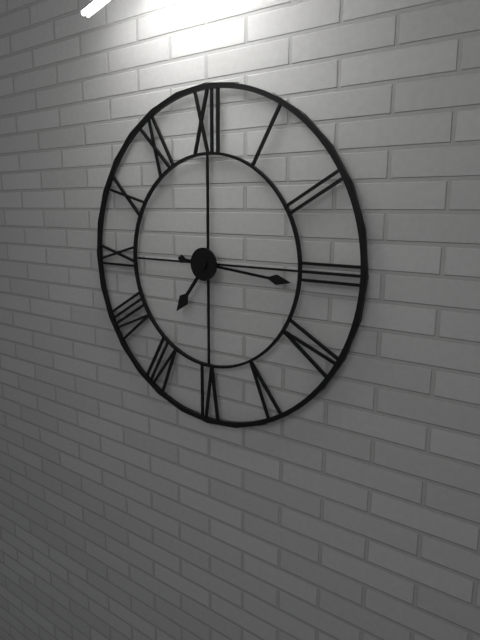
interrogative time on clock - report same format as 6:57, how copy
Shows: 7:16
